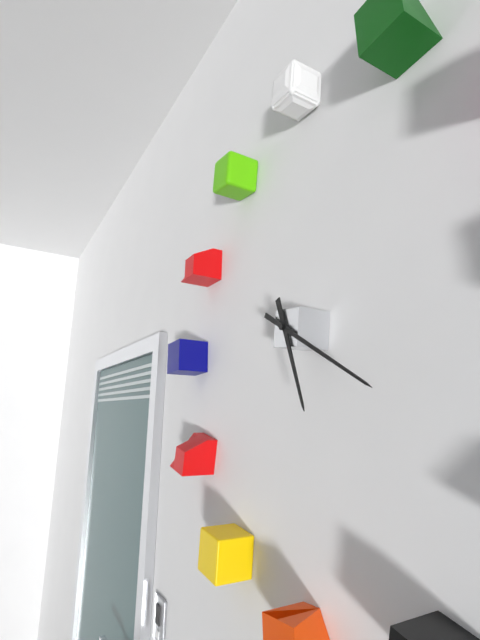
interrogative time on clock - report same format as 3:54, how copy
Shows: 5:20
